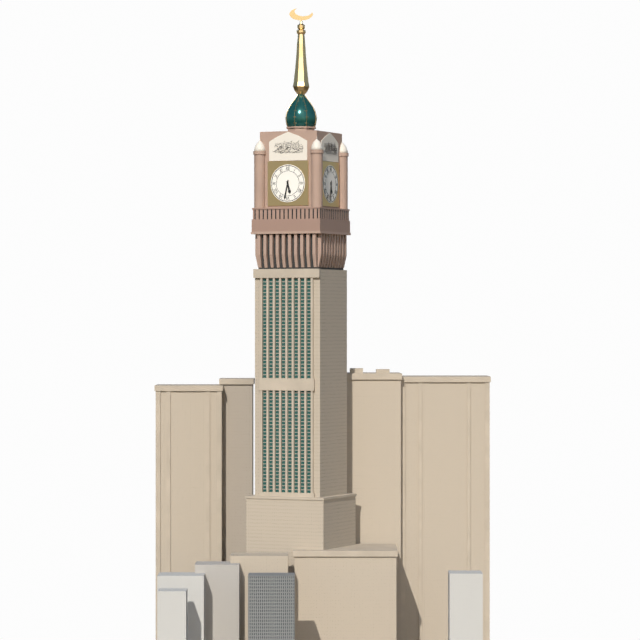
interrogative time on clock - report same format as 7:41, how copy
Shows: 5:32
